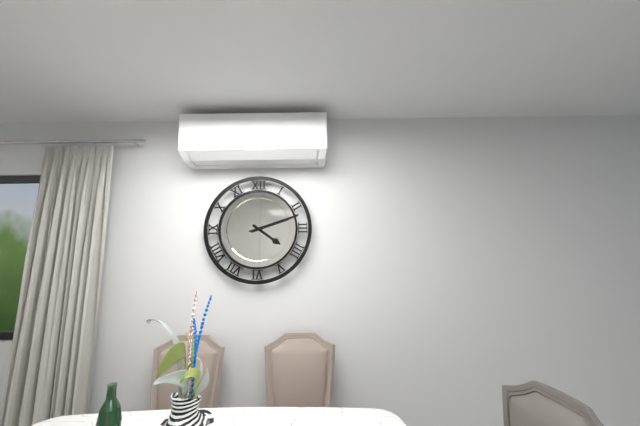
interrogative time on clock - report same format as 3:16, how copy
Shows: 4:12
